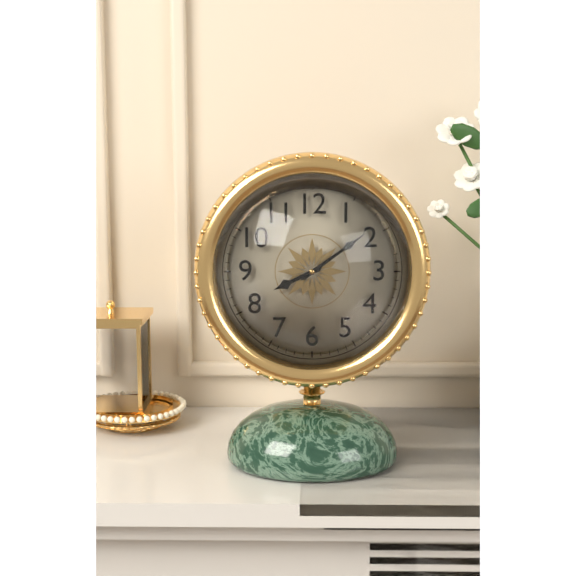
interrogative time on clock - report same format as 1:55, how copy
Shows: 8:09
